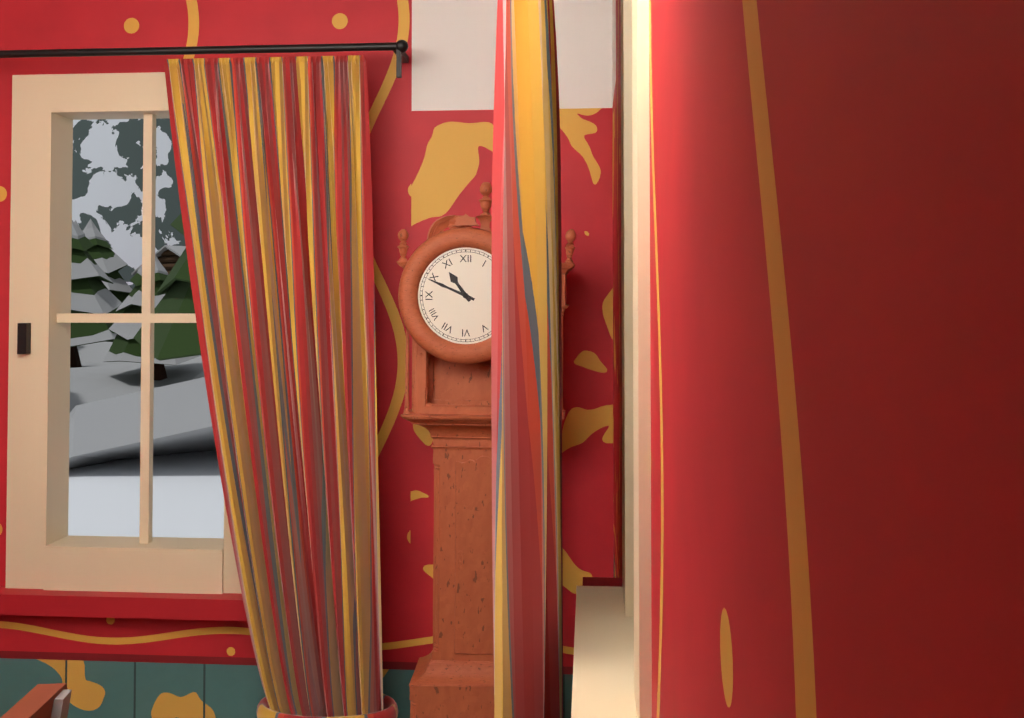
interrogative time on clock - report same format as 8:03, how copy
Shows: 10:49
